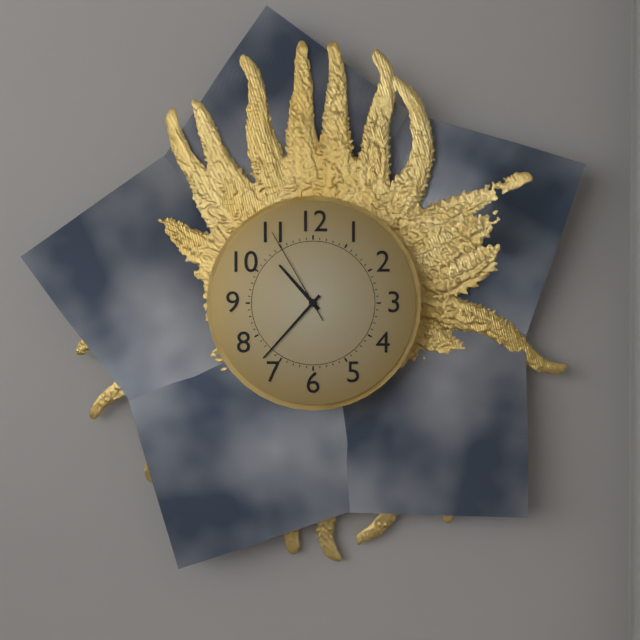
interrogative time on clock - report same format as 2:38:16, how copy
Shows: 10:37:55
